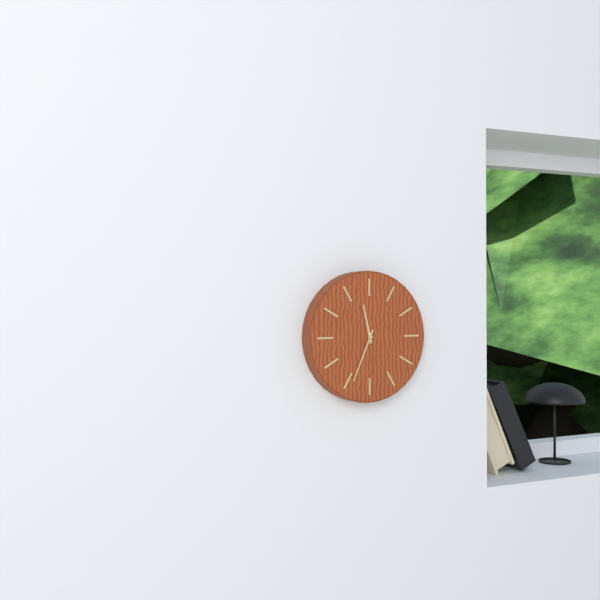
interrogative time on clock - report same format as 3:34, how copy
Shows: 11:34
